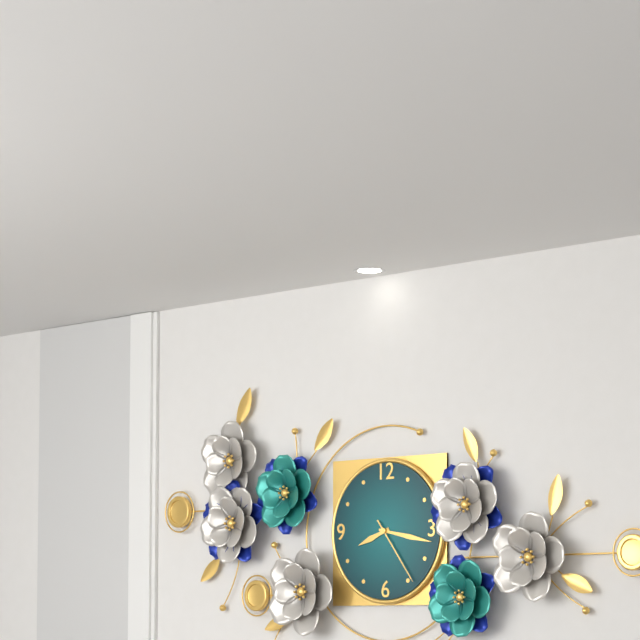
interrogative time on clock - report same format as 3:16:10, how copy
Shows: 8:17:24
